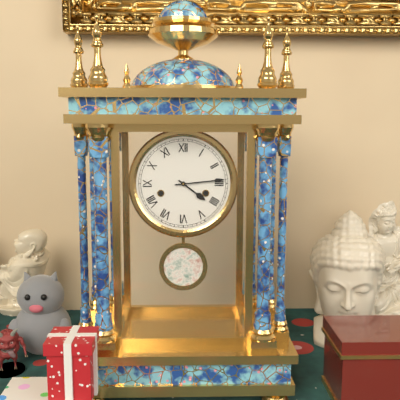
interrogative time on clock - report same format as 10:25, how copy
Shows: 4:14
